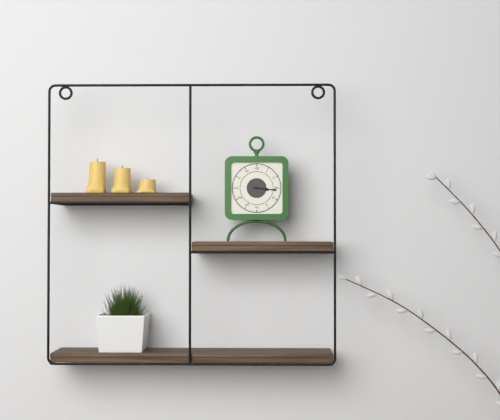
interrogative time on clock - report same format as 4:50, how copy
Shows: 3:16
